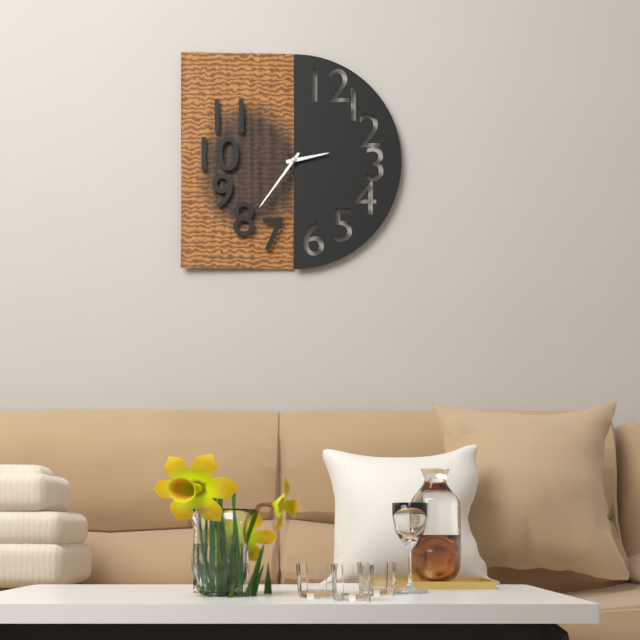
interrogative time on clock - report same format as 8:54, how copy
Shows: 2:36
